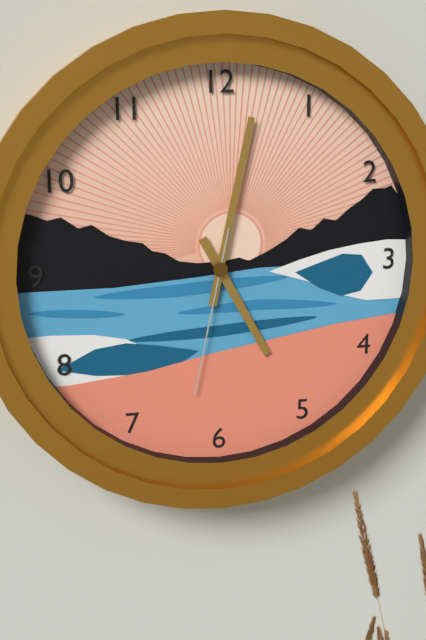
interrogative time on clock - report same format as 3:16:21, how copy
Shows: 5:02:32
